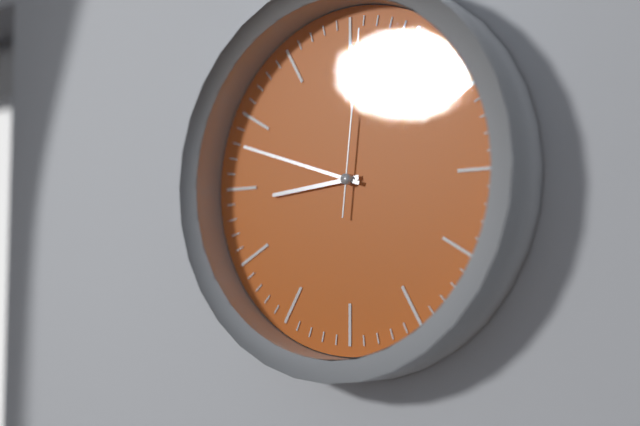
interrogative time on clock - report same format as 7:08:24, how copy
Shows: 8:48:01
